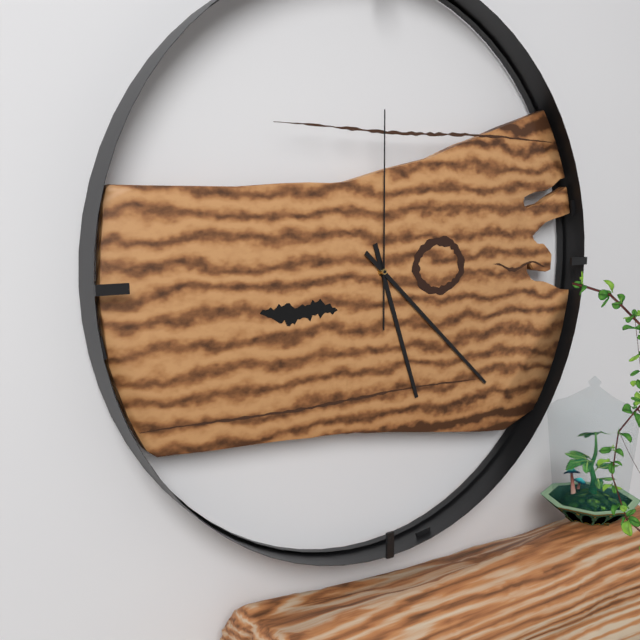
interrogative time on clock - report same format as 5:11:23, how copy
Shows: 5:22:00
